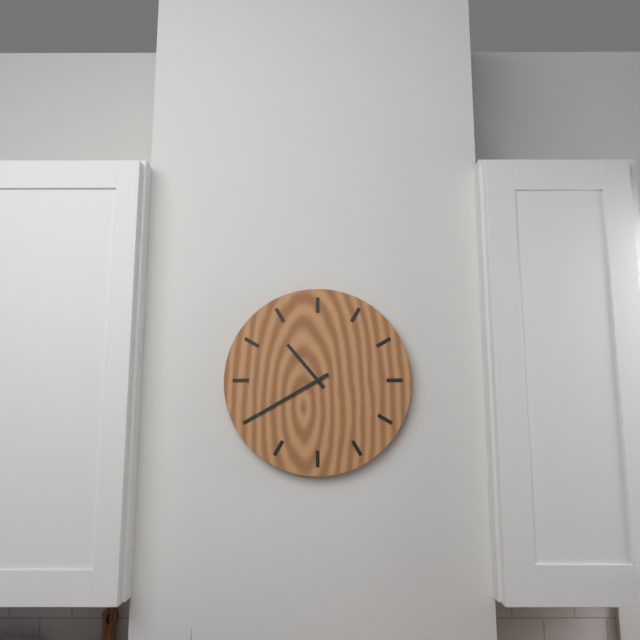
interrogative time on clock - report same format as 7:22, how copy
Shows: 10:40
